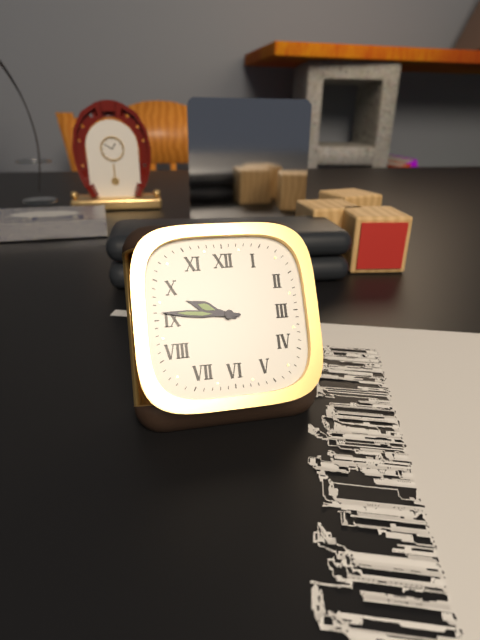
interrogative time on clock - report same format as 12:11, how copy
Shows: 9:46
